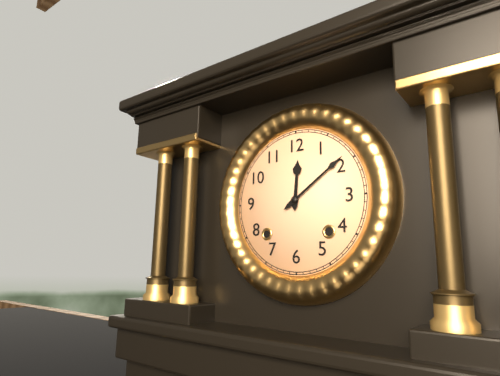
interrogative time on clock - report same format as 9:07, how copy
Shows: 12:09
